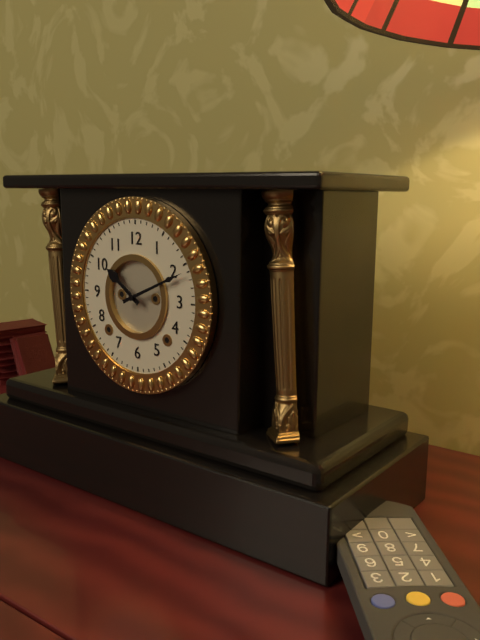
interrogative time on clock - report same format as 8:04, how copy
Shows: 10:11
